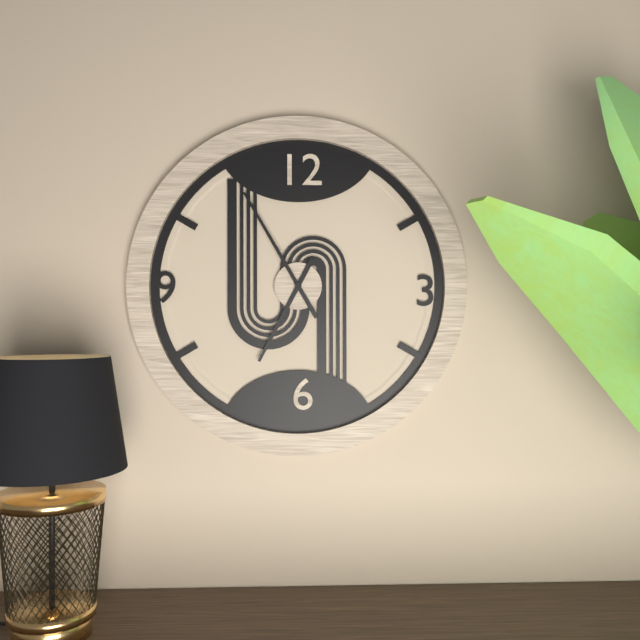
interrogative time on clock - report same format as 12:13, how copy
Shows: 6:55
